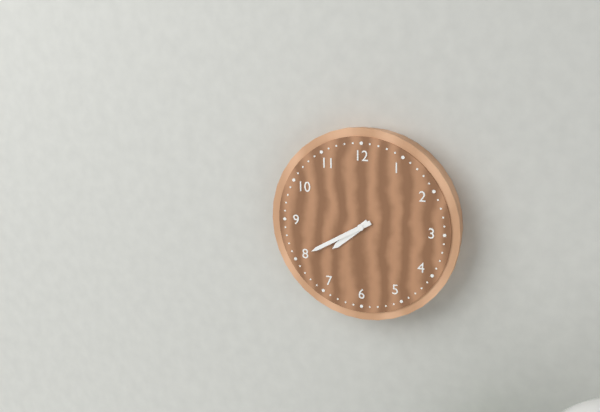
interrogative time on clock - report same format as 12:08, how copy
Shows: 7:40
